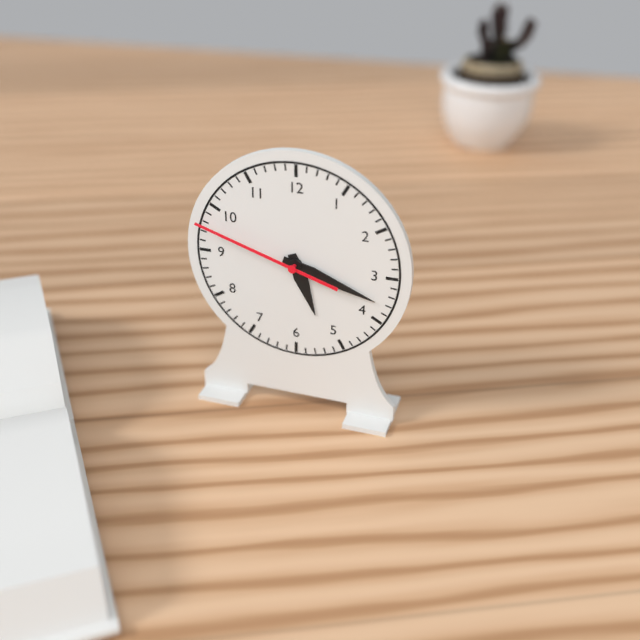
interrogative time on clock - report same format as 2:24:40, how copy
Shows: 5:18:48
